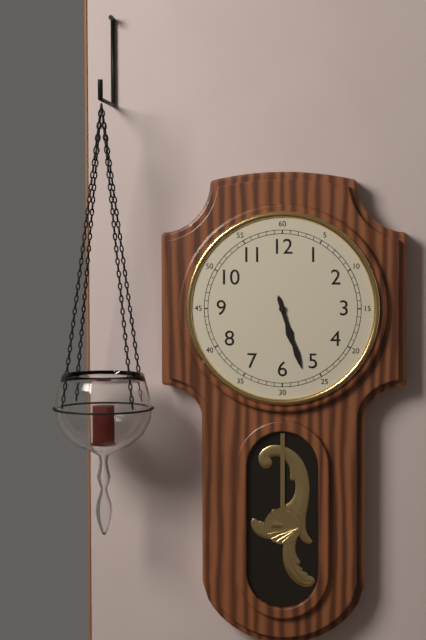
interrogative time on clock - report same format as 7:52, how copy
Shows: 5:27
